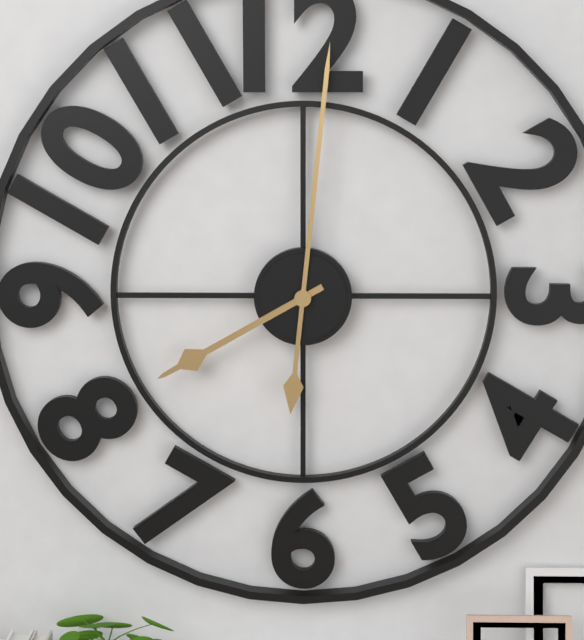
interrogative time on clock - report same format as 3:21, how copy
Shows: 8:01
